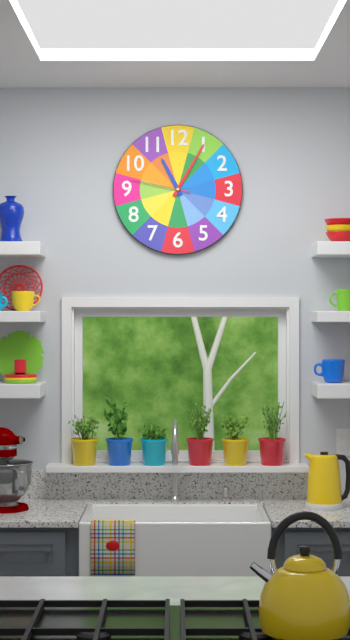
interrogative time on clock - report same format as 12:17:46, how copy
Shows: 11:05:47
